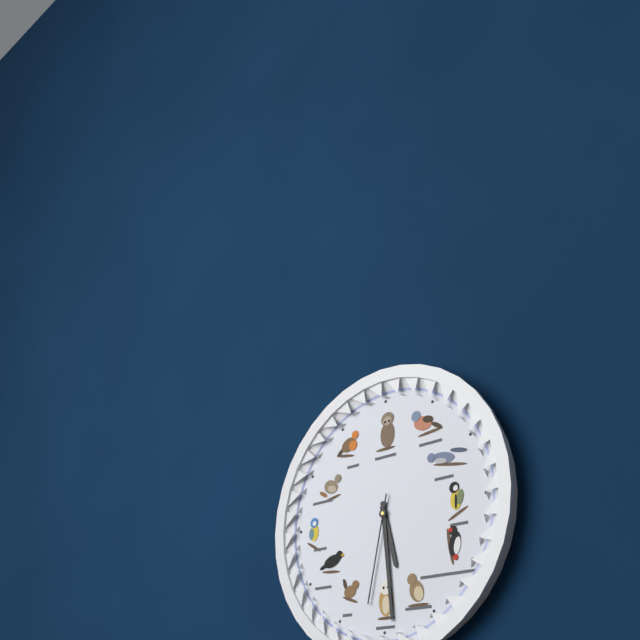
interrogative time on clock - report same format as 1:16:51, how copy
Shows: 5:29:32
